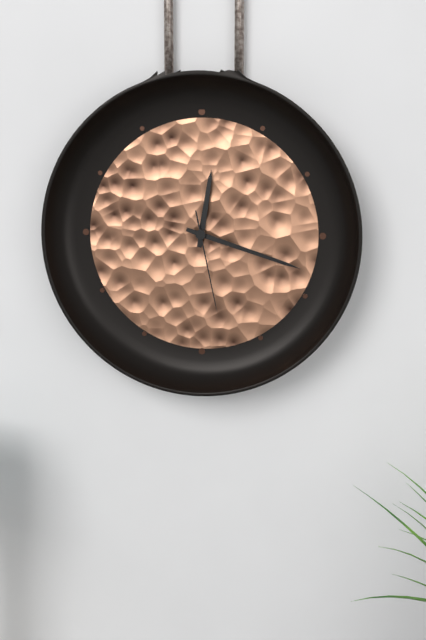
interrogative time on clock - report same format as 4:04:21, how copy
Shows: 12:18:28
